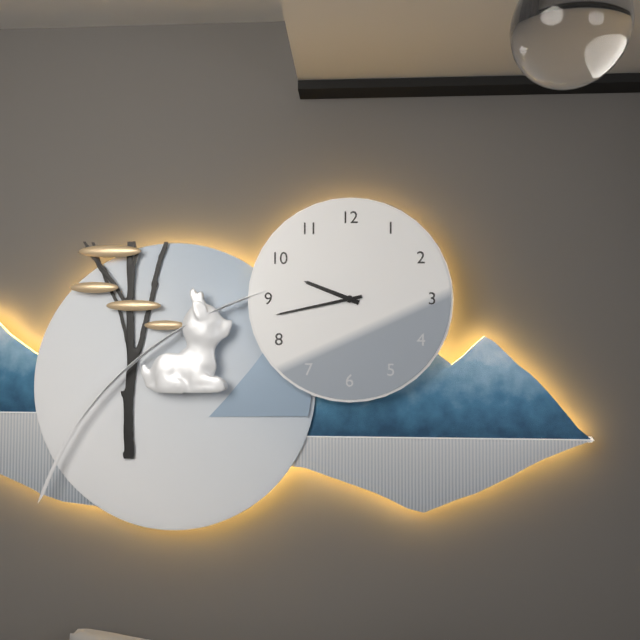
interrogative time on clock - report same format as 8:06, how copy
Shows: 9:43
